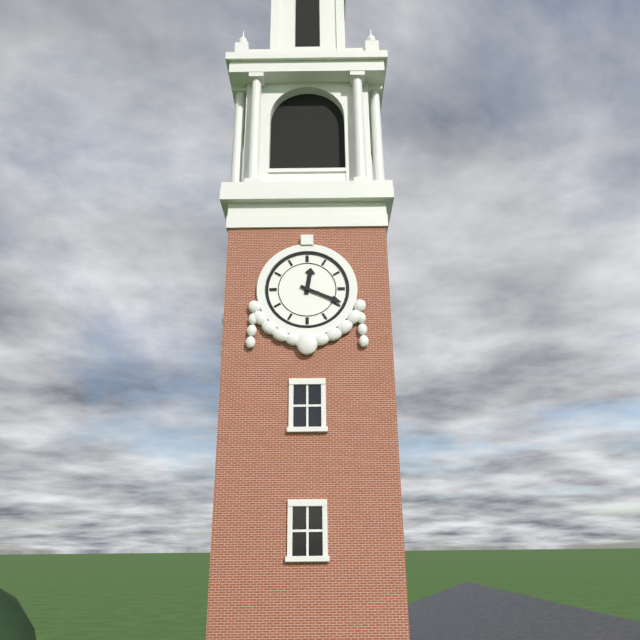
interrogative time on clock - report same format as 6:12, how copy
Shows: 12:19
